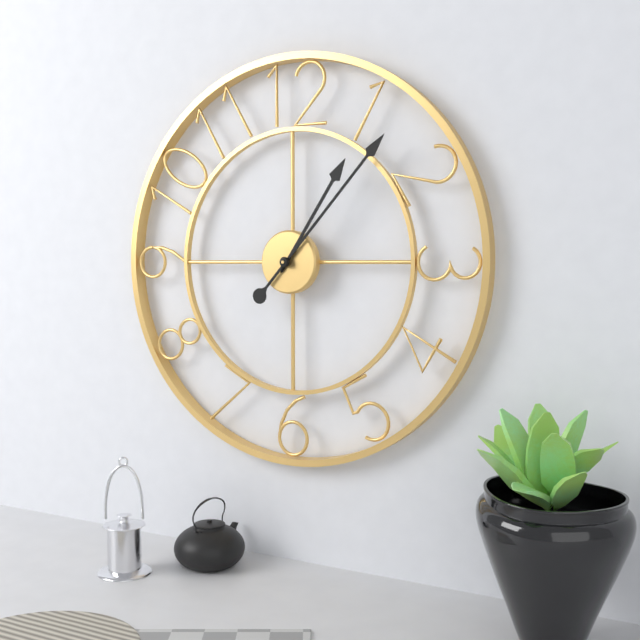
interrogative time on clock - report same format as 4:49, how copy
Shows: 1:07
